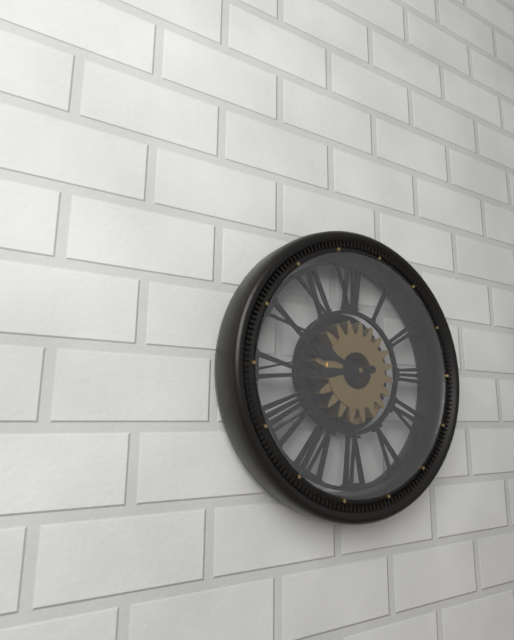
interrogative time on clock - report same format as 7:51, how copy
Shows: 9:44
